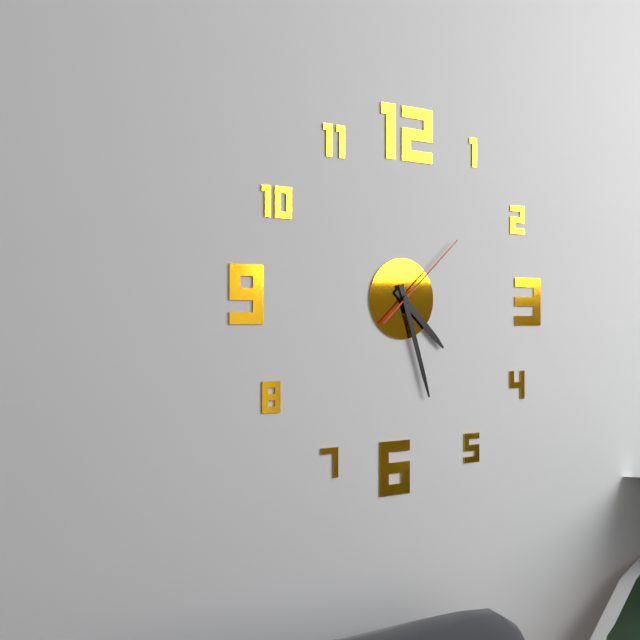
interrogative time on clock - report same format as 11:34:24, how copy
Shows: 4:27:08
